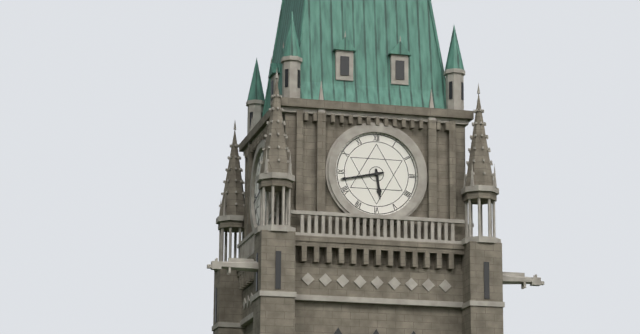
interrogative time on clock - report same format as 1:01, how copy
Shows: 5:43
